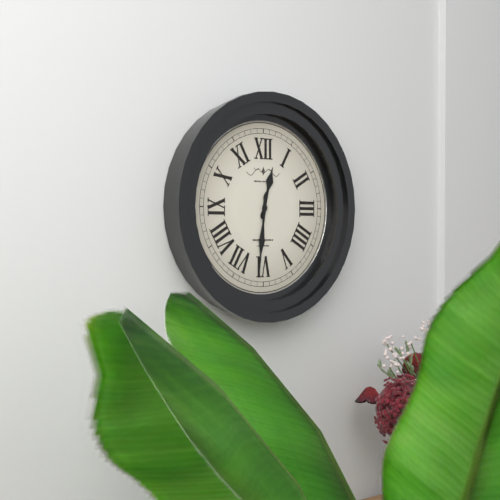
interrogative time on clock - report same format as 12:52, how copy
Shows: 12:31
